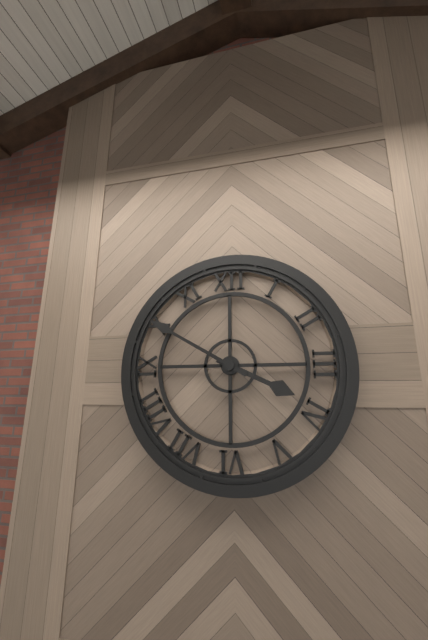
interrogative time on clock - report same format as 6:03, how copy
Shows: 3:50
